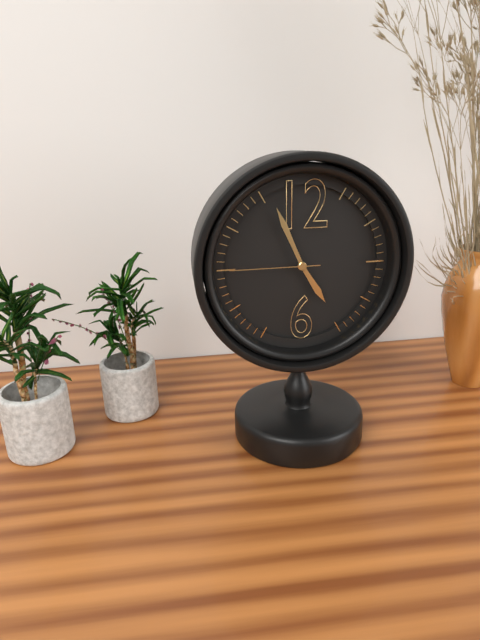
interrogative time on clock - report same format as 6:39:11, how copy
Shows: 4:56:45
